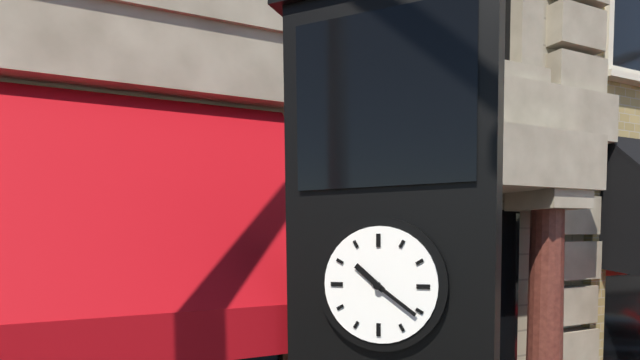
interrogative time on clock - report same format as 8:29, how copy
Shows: 10:21
